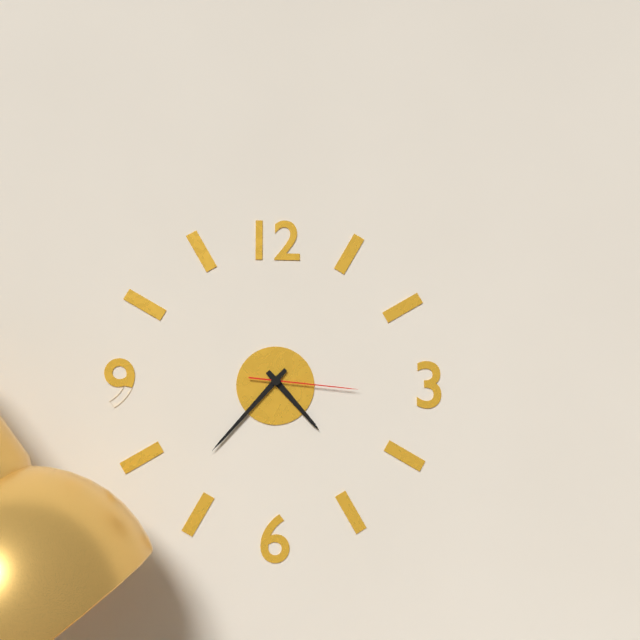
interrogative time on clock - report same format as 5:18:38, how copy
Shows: 4:37:16
